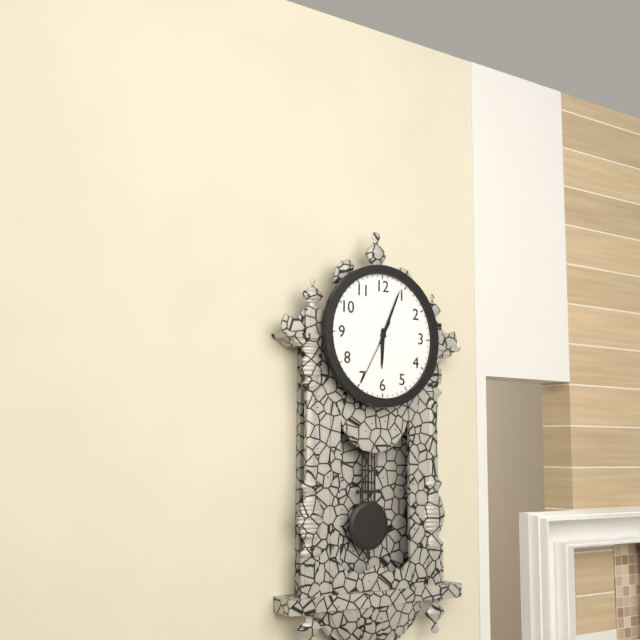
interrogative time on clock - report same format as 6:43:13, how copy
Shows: 6:04:35
